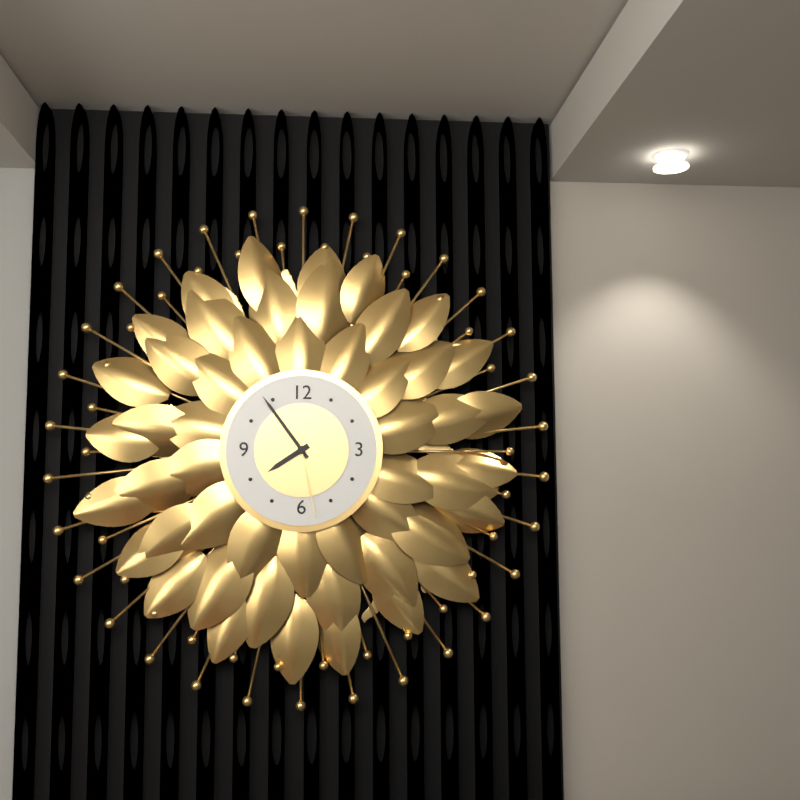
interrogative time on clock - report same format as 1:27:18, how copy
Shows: 7:54:28
